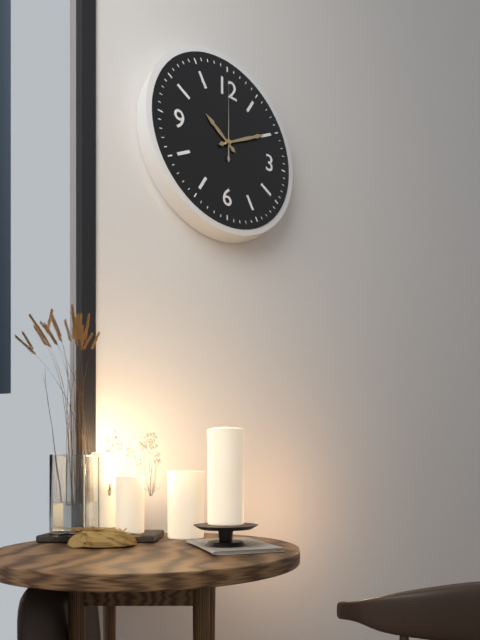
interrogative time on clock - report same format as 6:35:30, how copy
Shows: 10:10:00
